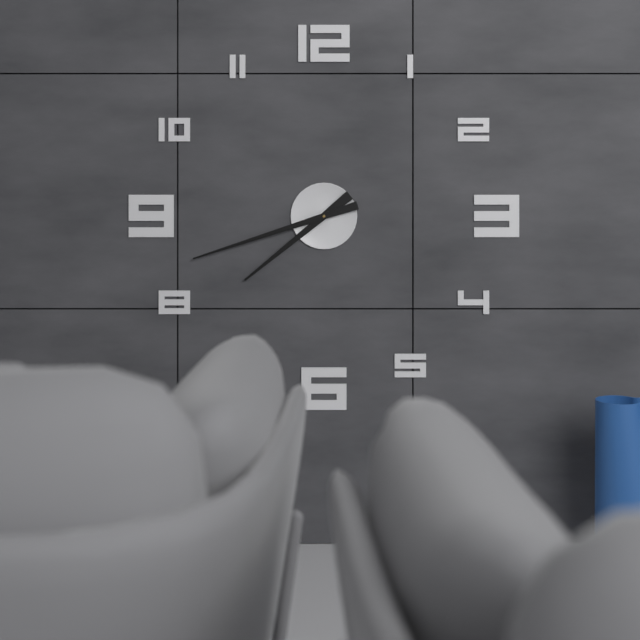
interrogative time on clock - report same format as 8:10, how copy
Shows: 7:42
